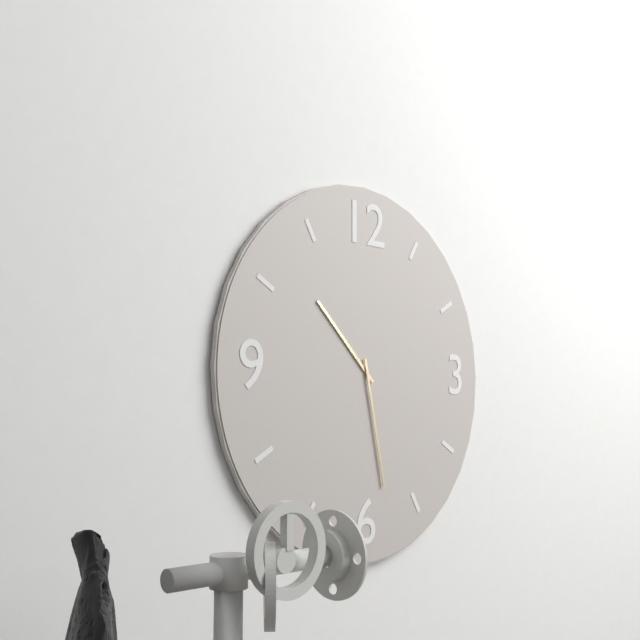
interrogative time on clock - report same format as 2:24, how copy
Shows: 10:28
